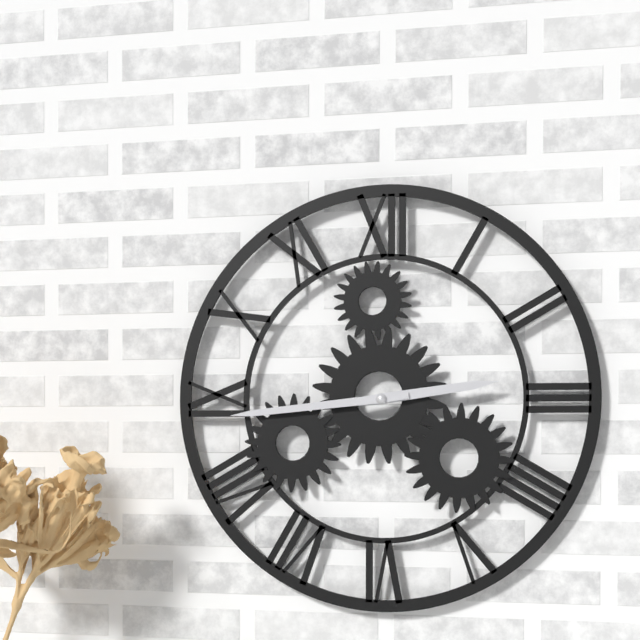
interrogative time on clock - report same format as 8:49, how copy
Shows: 2:44
